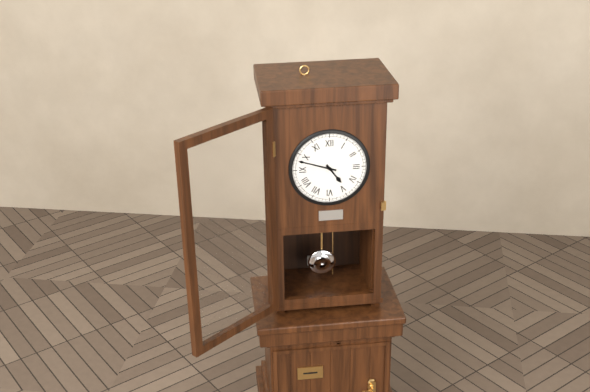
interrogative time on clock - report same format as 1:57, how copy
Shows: 4:48
